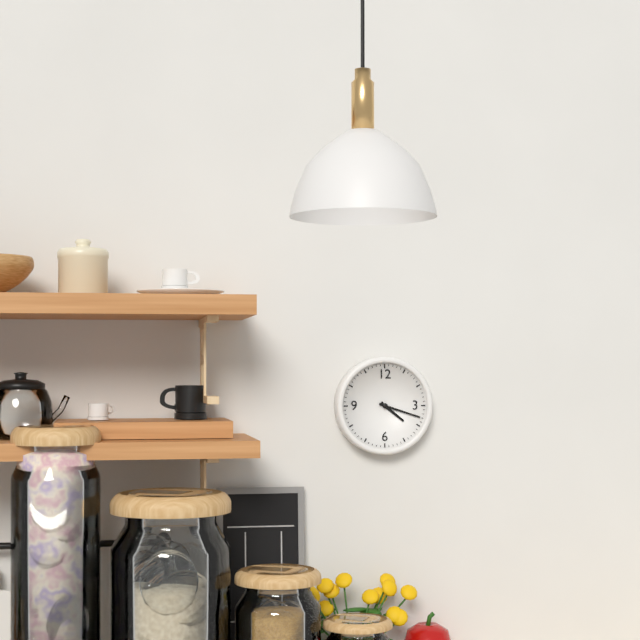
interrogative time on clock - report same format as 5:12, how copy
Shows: 4:18
